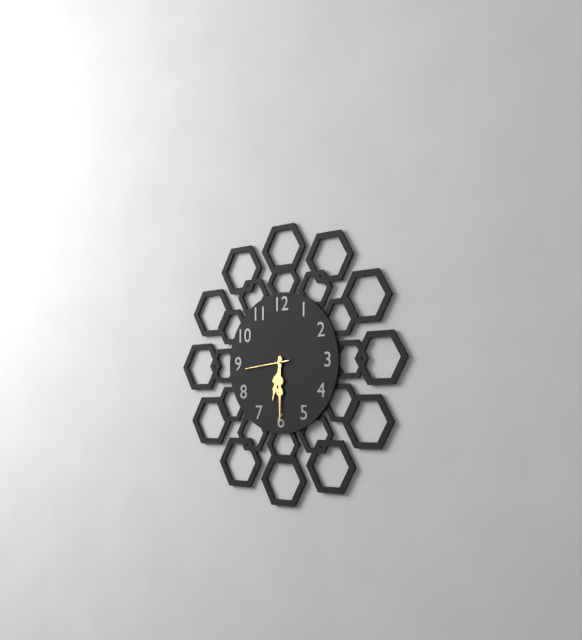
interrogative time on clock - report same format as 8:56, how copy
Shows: 6:30
